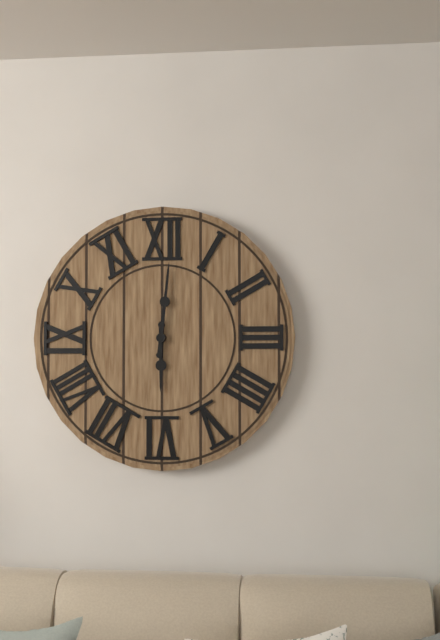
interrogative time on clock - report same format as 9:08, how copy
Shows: 6:01
